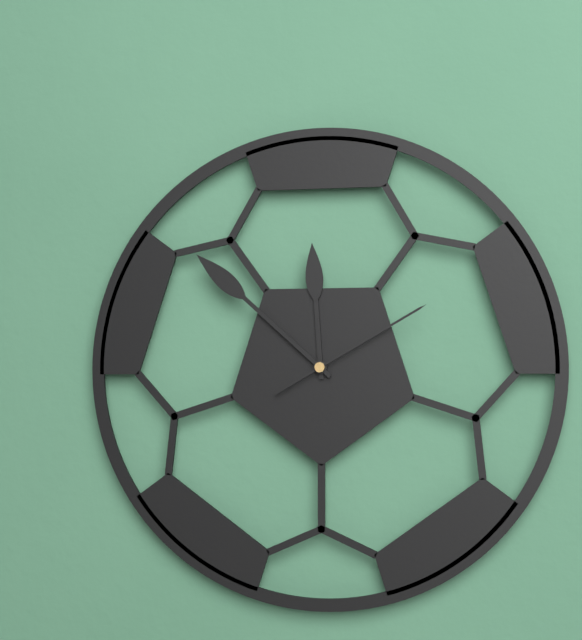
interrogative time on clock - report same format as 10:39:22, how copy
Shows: 11:52:10
